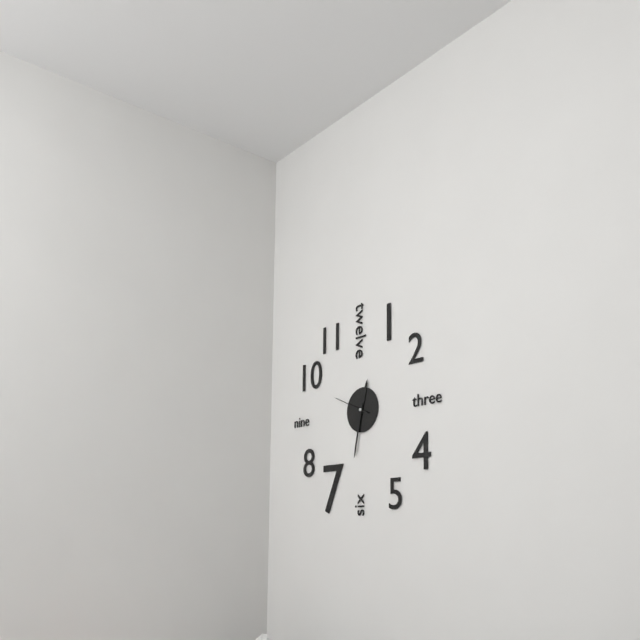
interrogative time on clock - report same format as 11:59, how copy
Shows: 12:32
